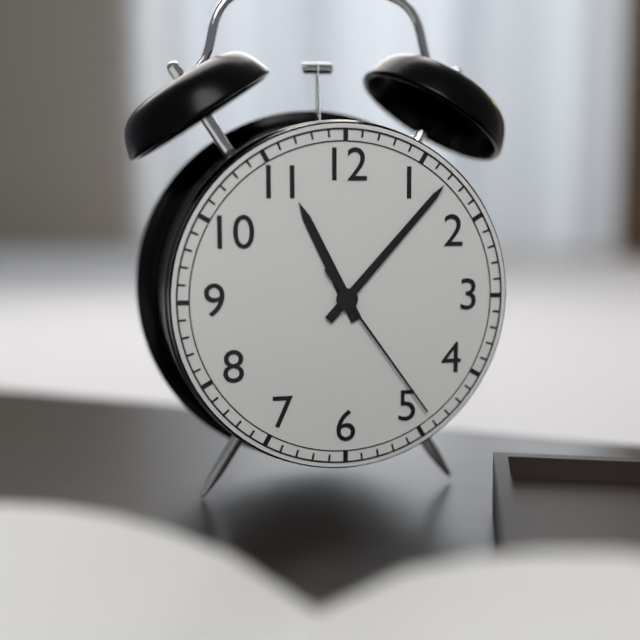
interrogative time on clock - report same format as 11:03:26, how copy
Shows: 11:07:24
